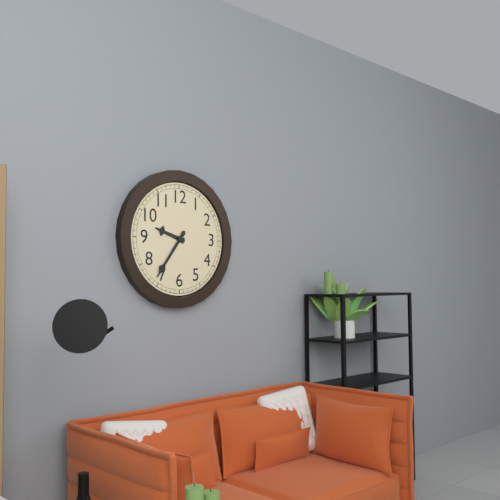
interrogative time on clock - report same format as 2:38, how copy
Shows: 9:36
